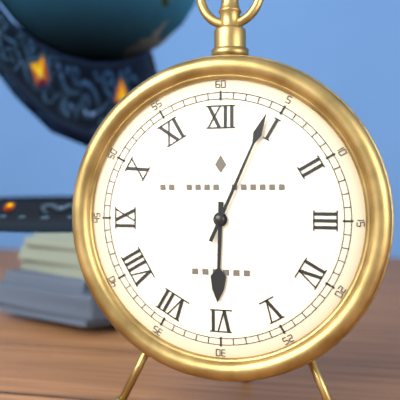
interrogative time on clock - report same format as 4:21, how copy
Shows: 6:04
